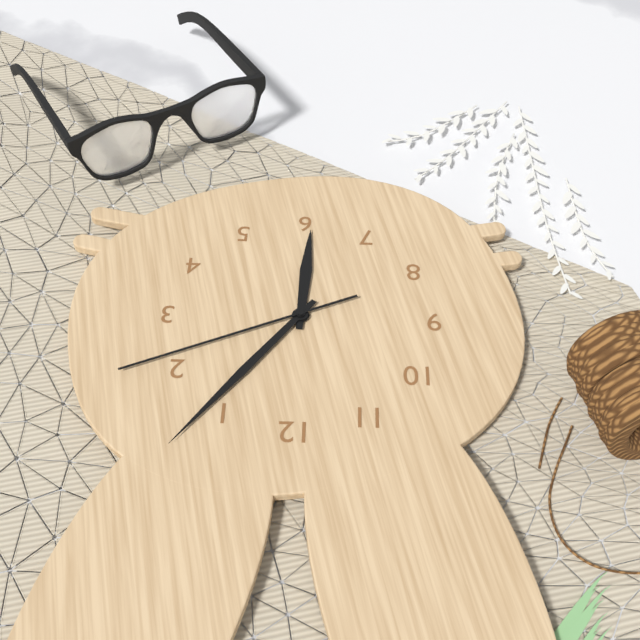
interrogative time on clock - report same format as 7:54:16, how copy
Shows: 6:06:11
